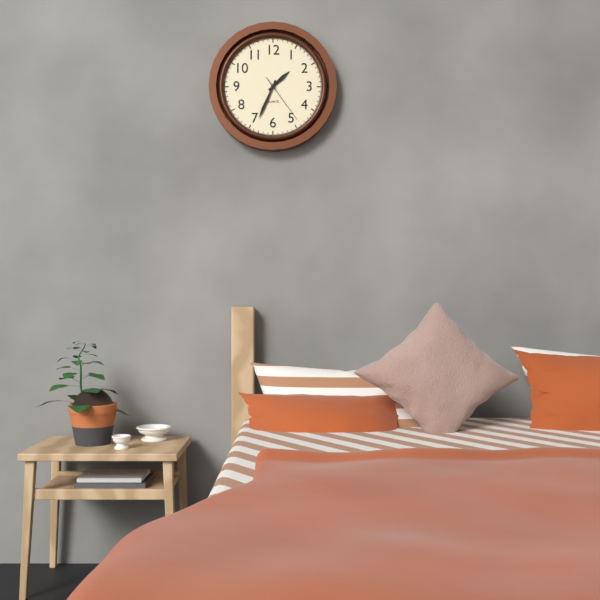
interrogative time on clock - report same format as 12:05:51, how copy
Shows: 1:34:24
